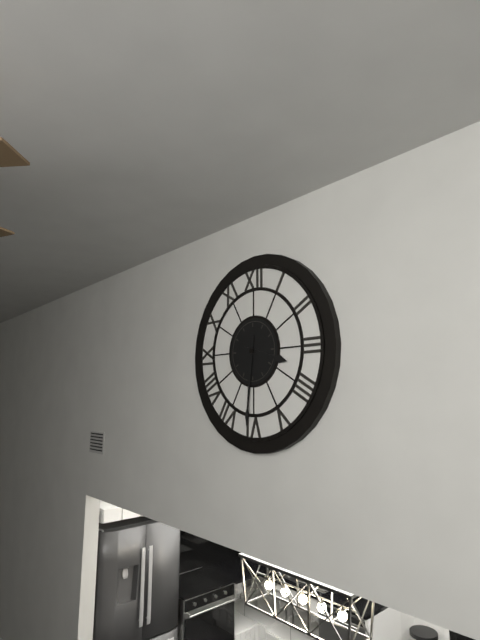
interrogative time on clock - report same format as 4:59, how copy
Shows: 3:31
